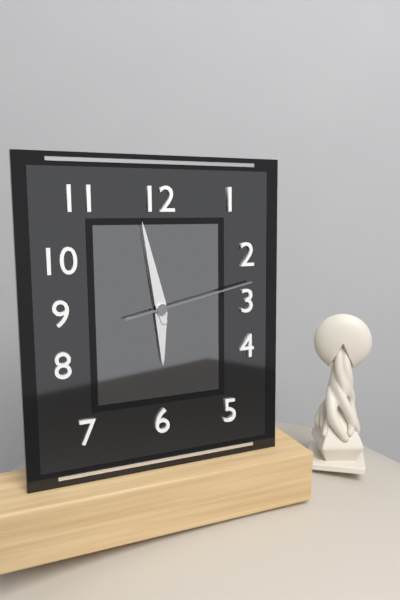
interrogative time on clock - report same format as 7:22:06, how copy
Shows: 5:58:13
